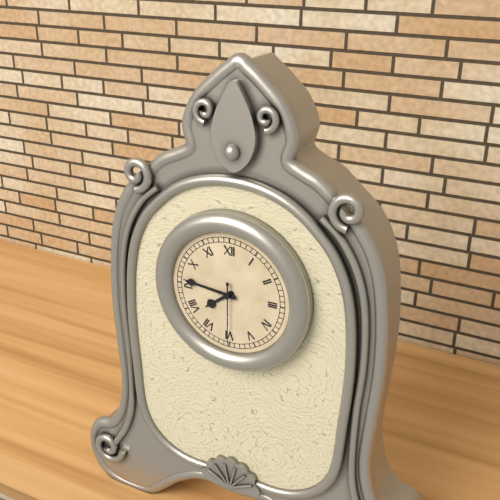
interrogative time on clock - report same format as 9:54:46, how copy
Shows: 7:46:30
